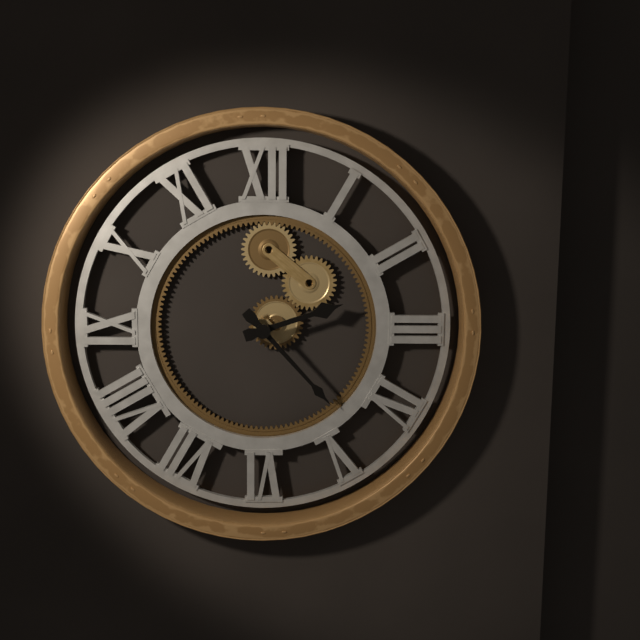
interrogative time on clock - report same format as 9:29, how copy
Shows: 2:23
